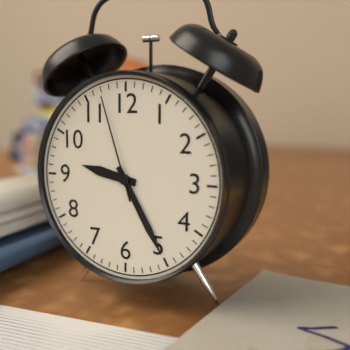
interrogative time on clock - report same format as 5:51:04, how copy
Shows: 9:25:57
